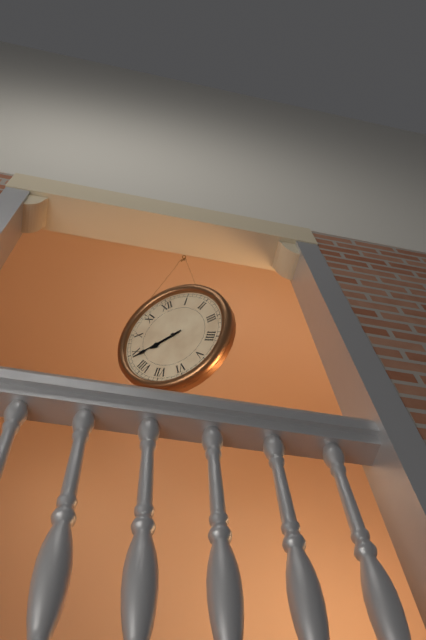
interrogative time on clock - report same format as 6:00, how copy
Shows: 8:44
